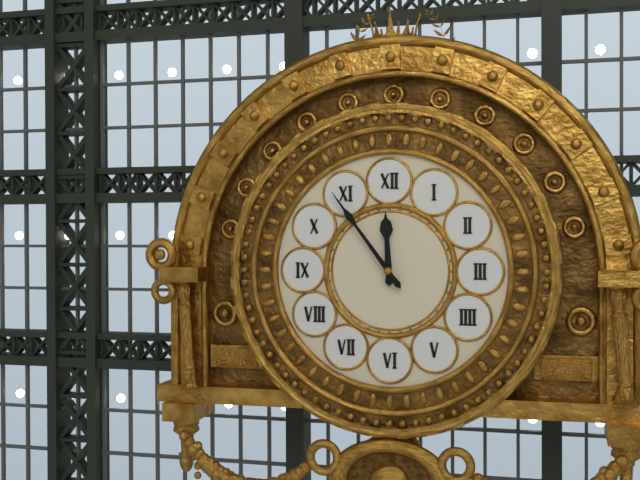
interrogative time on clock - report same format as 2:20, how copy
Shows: 11:54
